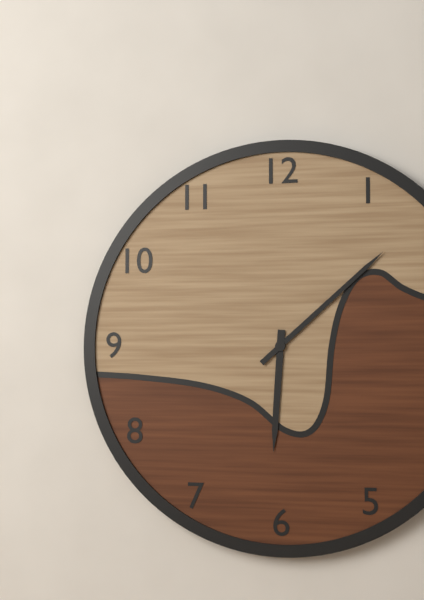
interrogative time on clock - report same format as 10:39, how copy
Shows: 6:08
